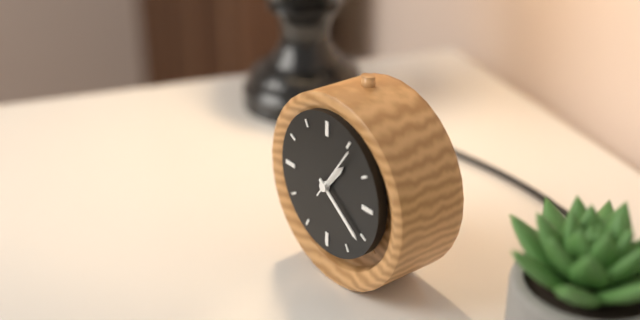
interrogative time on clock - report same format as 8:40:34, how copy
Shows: 1:21:06
